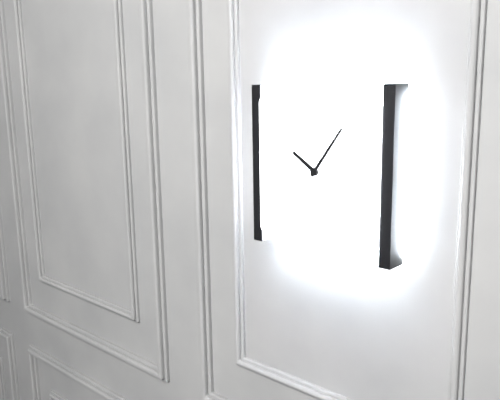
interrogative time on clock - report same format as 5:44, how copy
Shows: 10:06
